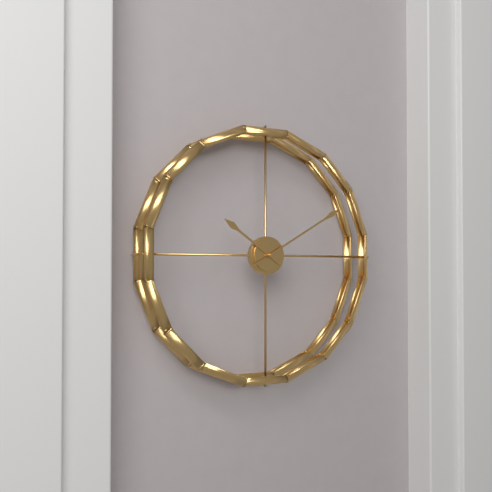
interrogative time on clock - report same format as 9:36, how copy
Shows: 10:10
